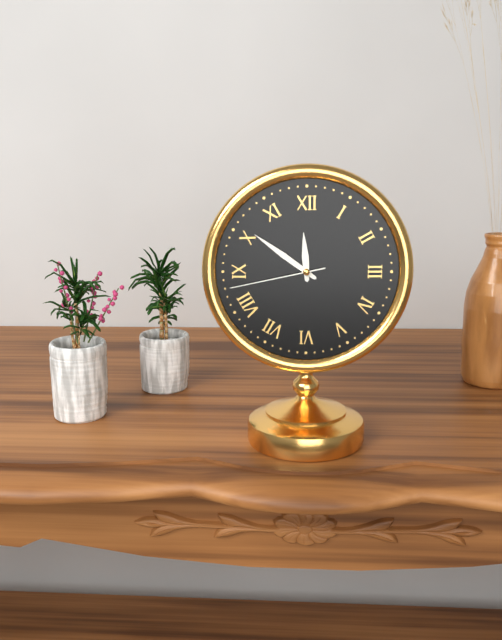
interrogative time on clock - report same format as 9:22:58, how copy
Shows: 11:51:43
